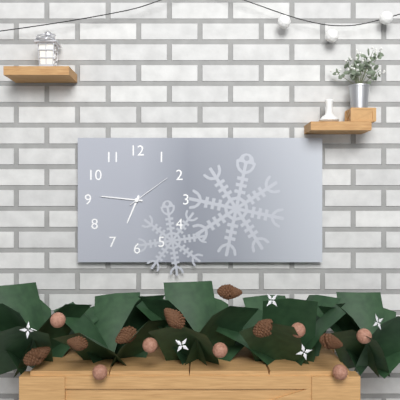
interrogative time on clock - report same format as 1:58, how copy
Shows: 6:46
